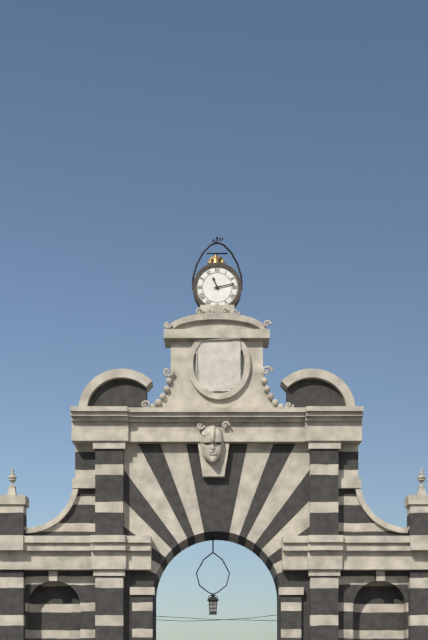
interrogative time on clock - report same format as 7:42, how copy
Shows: 11:13
